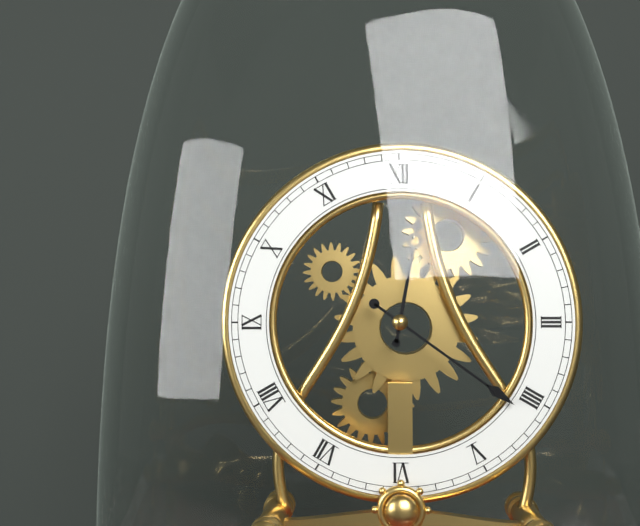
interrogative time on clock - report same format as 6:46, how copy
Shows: 12:21
